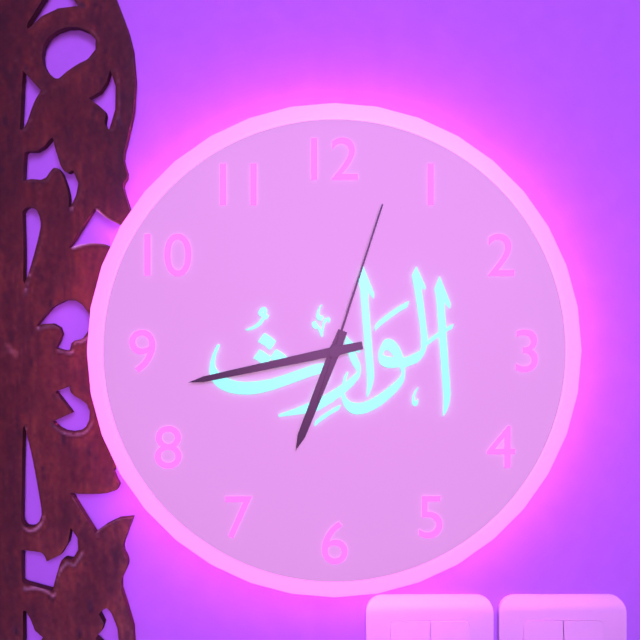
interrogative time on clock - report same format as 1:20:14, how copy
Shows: 6:43:03
